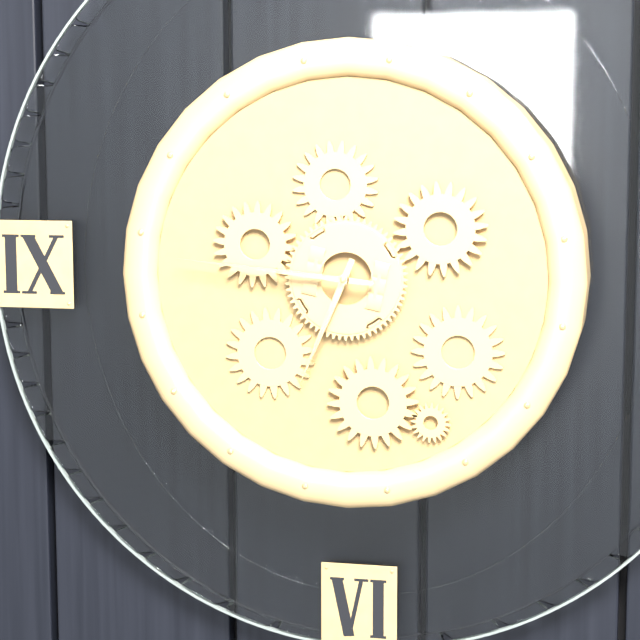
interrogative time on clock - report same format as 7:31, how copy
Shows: 6:46
